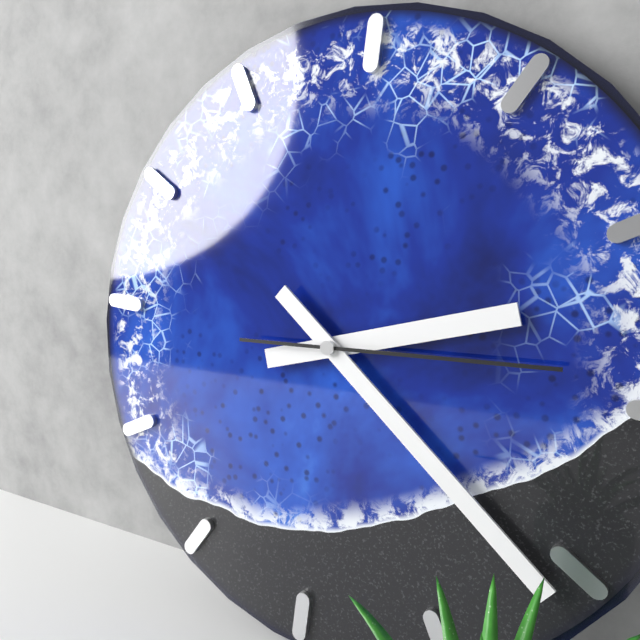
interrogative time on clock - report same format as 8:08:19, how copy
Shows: 2:21:14
